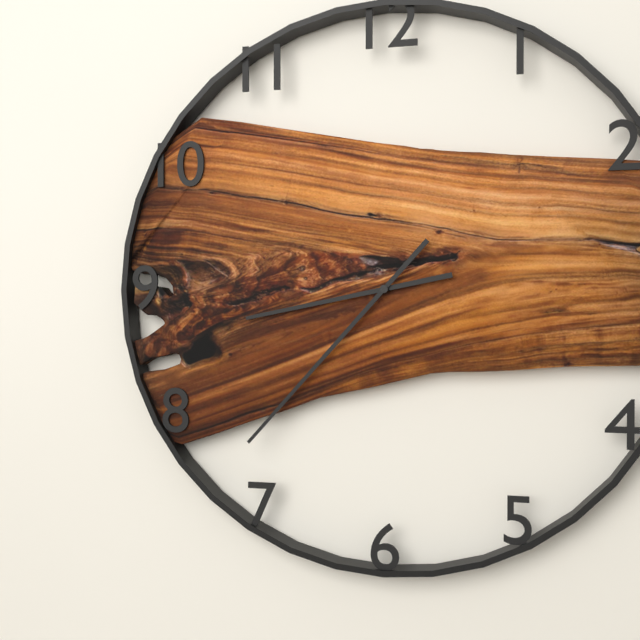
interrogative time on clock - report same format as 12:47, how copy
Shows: 8:37
